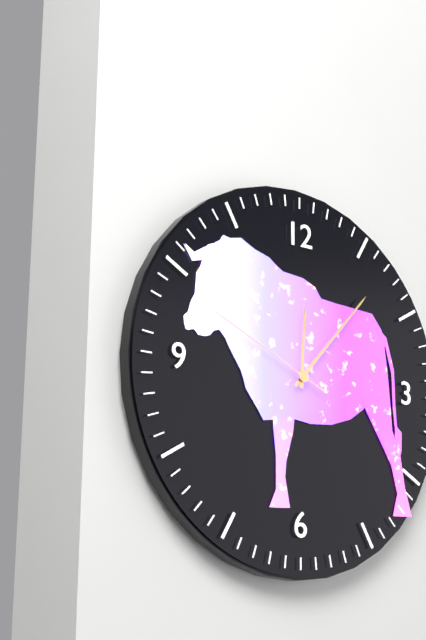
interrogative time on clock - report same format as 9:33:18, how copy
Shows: 12:07:49
